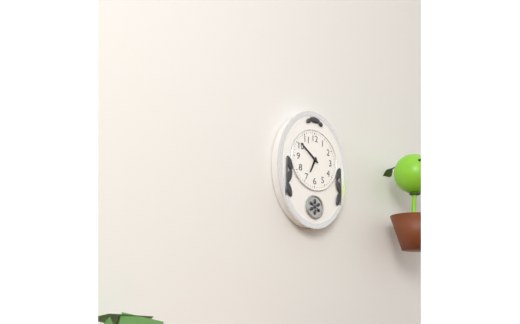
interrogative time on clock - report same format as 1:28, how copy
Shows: 6:51
